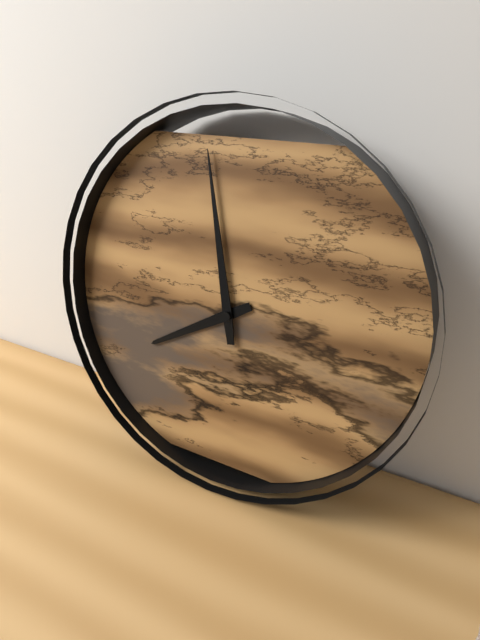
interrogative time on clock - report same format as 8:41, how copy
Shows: 7:58
